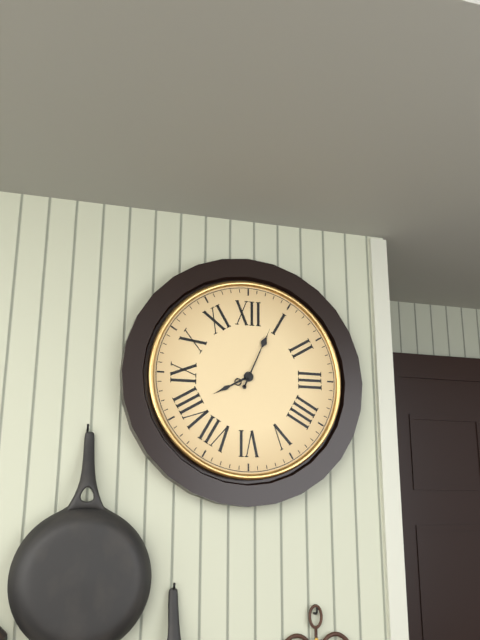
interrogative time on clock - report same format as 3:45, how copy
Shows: 8:04
